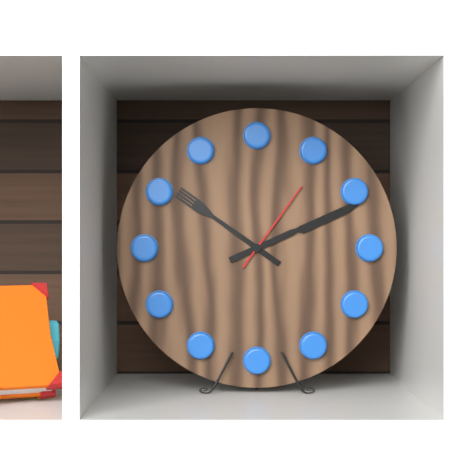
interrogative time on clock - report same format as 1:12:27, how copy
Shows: 10:11:06
